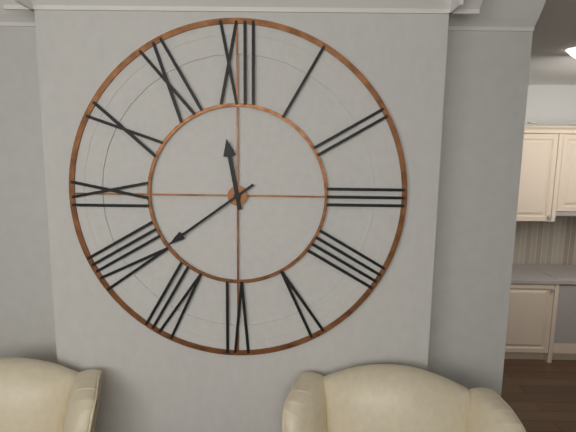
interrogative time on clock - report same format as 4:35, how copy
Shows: 11:39
